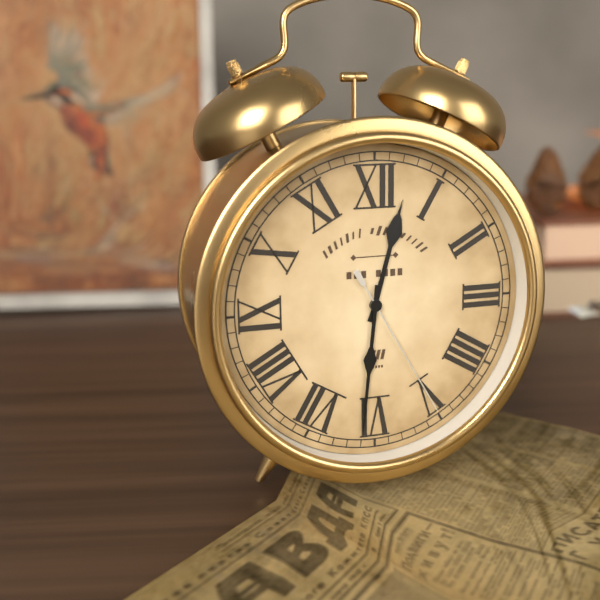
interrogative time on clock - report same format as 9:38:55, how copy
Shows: 12:31:25
